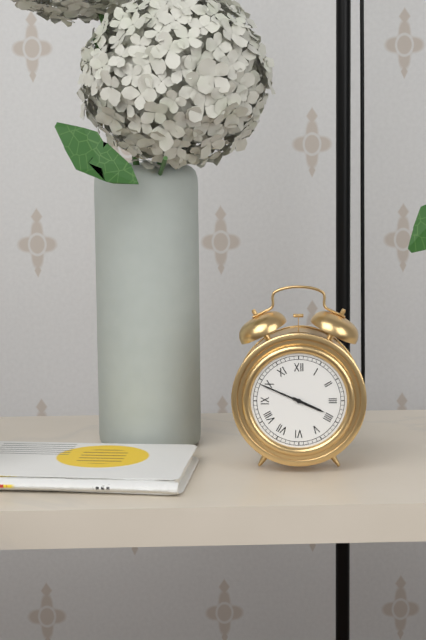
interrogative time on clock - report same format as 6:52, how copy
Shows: 3:49
